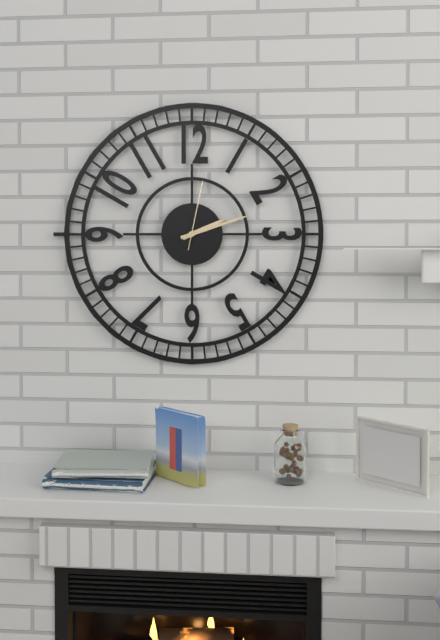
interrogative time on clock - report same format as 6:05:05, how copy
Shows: 2:12:02
